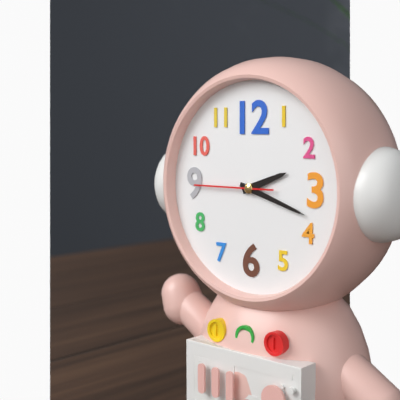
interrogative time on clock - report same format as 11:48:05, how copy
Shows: 2:18:45
